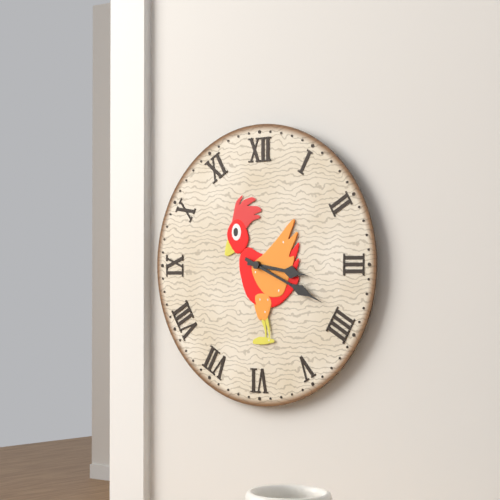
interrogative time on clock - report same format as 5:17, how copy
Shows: 3:19
